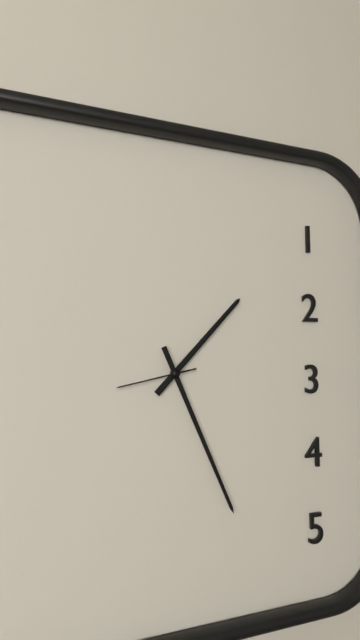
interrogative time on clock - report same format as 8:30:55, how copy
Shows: 1:26:43
